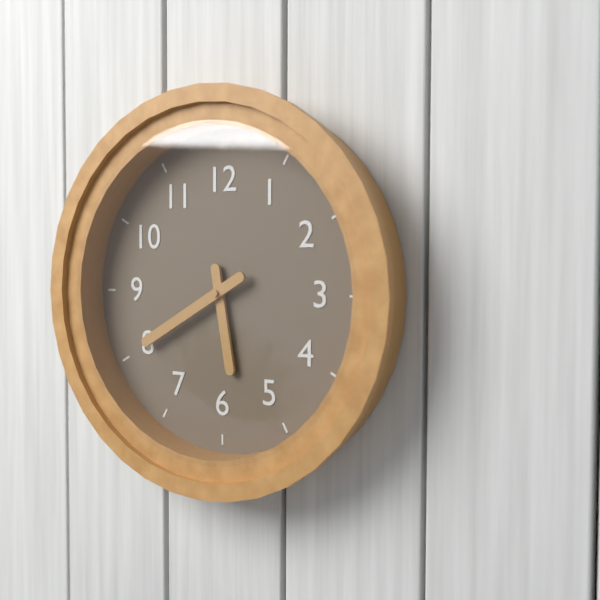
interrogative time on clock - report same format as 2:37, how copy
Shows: 5:40
